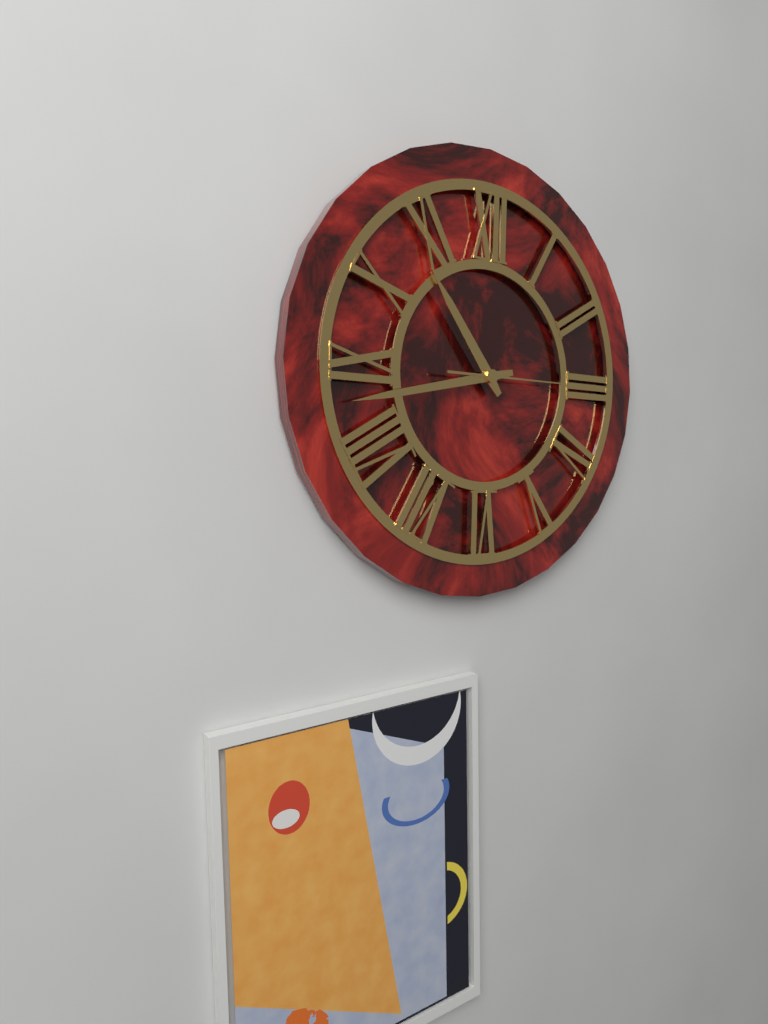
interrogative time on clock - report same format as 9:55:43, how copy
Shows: 10:43:15
